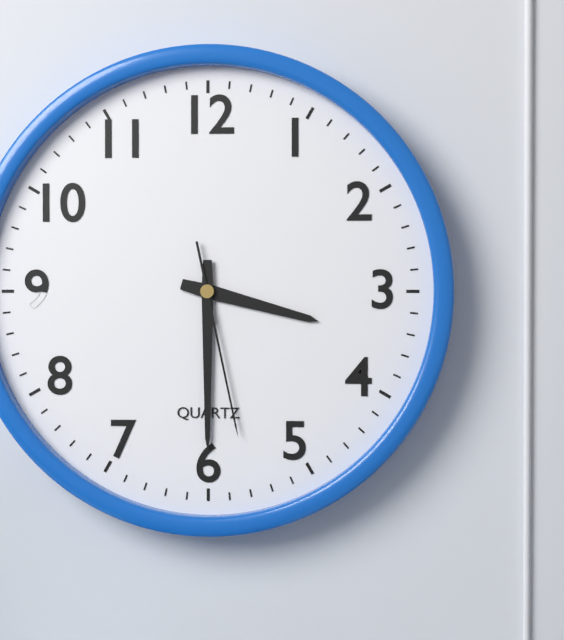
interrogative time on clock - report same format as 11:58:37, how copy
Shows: 3:30:28
